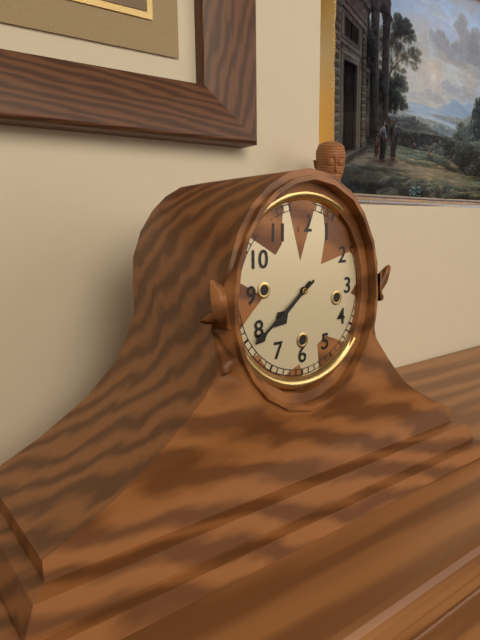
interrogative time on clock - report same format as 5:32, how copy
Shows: 7:39
